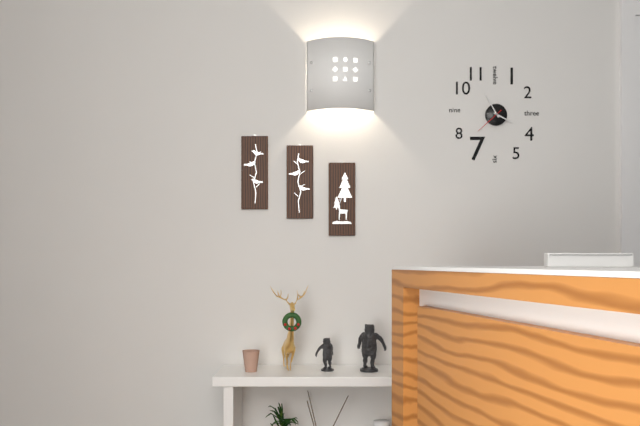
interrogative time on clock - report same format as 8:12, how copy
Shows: 3:55
